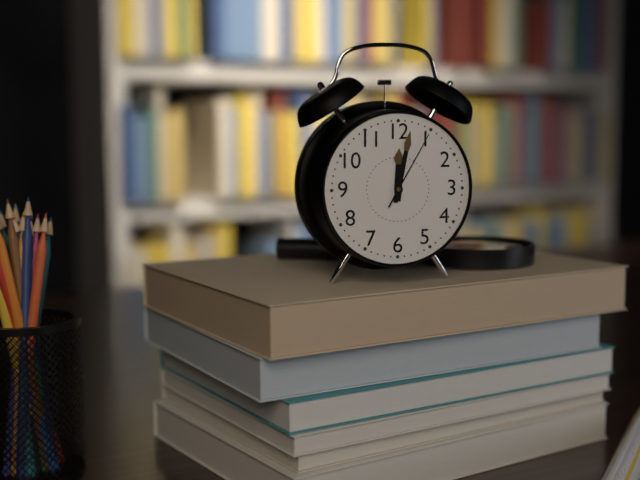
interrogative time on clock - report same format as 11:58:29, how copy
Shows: 12:02:05
